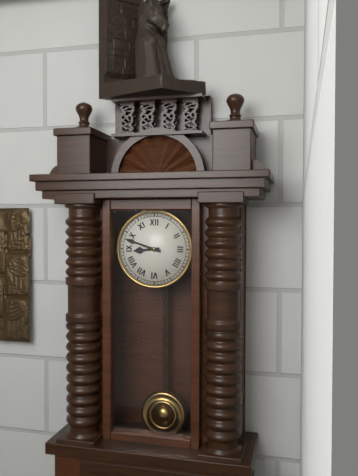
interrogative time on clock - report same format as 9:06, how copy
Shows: 8:48
